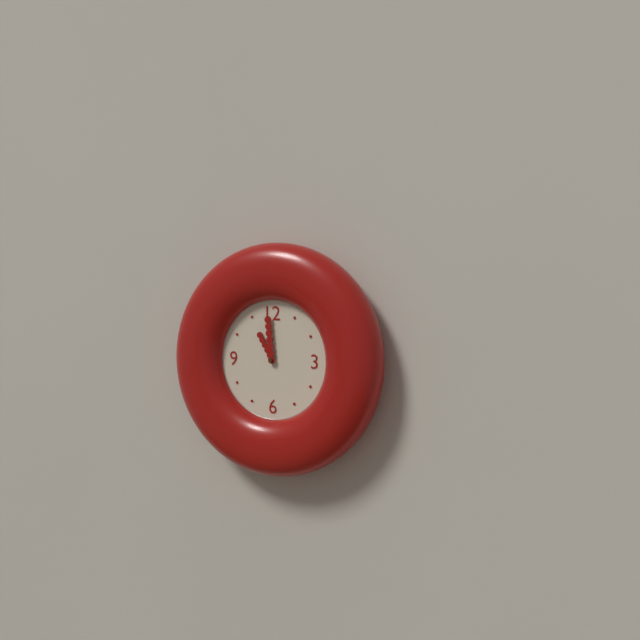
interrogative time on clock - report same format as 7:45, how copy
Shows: 10:59
